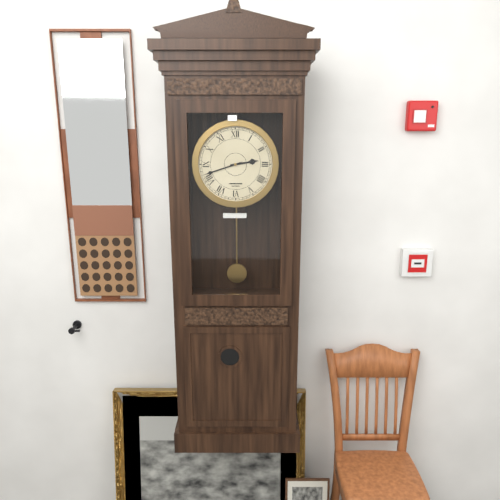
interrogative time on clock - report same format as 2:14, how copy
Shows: 2:42
